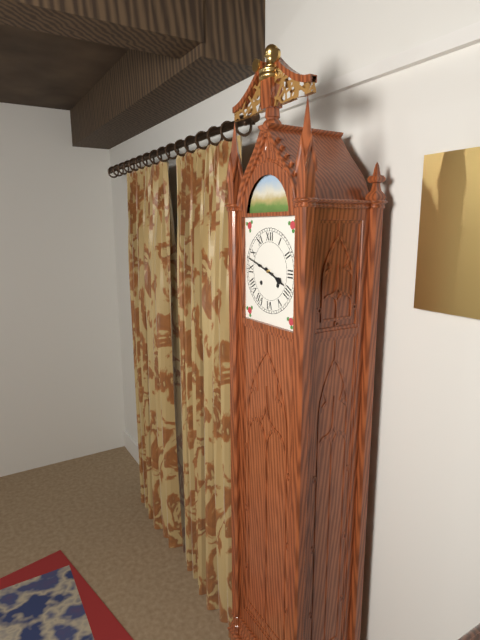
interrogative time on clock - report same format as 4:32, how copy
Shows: 3:48
